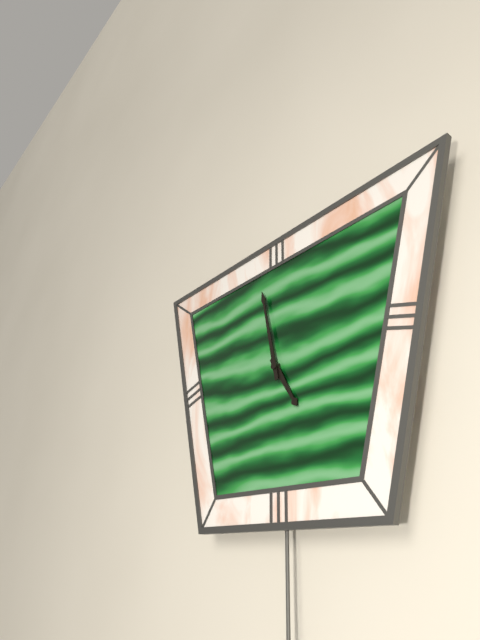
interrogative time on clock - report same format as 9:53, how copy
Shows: 4:58
